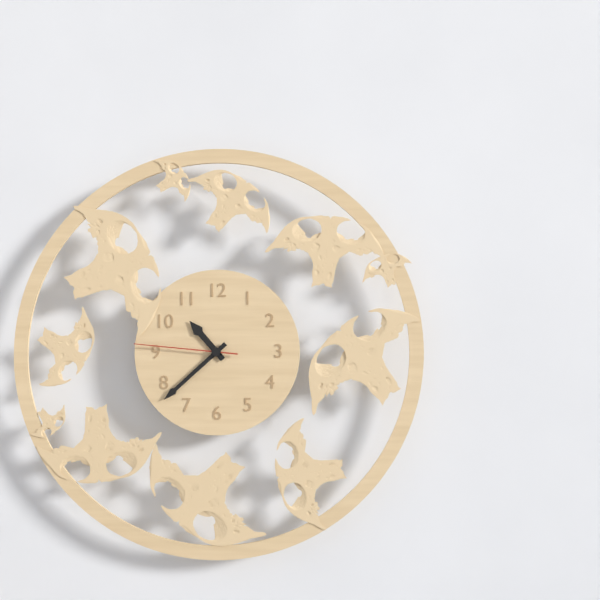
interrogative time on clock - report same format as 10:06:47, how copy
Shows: 10:38:46
